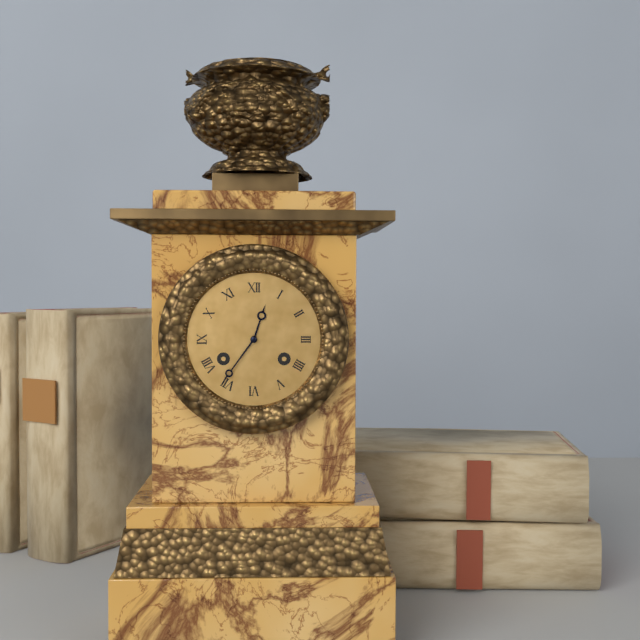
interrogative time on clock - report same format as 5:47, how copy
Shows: 12:36
